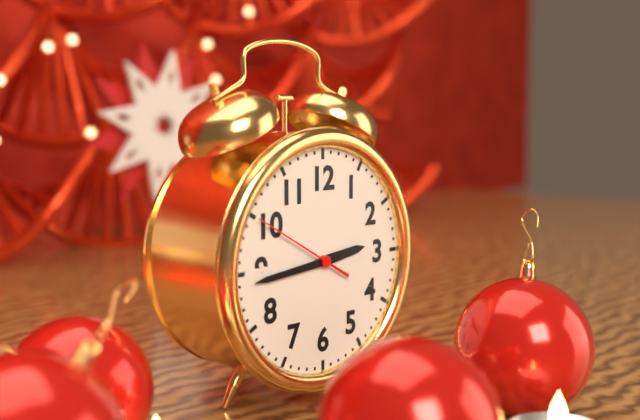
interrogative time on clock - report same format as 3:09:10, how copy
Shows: 2:44:50
